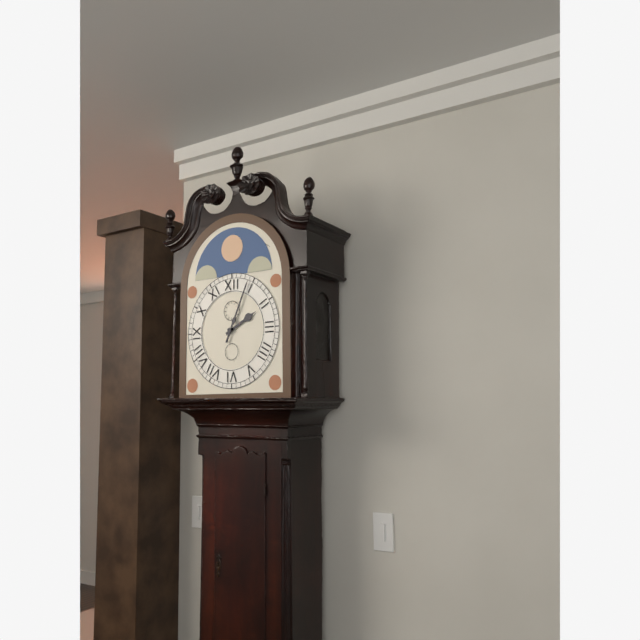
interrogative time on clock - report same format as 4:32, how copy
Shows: 2:04
